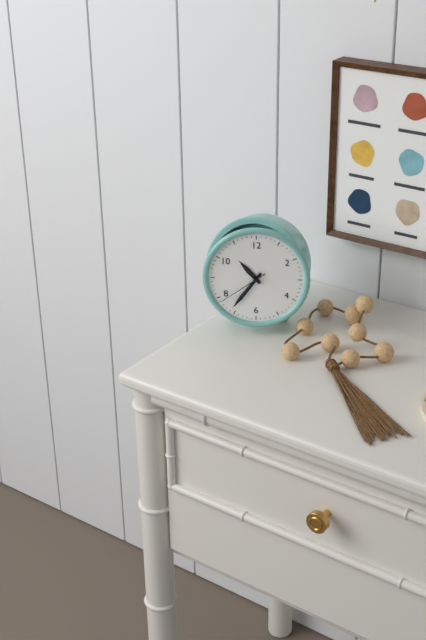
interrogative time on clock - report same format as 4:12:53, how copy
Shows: 10:36:39
